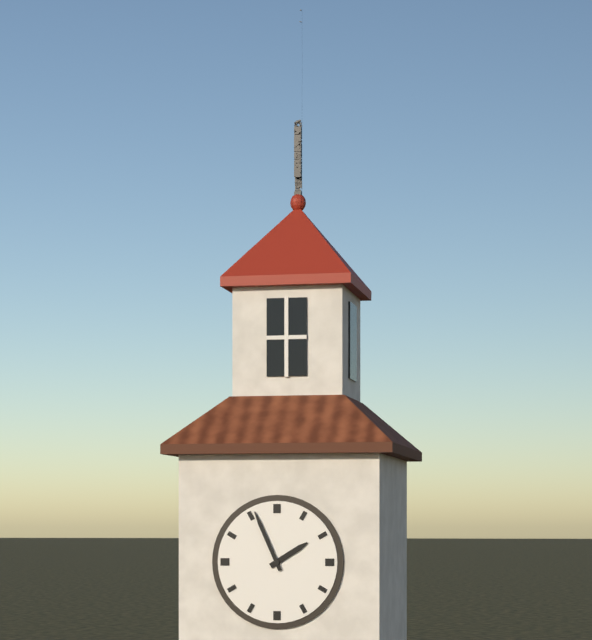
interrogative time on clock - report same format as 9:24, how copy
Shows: 1:56
